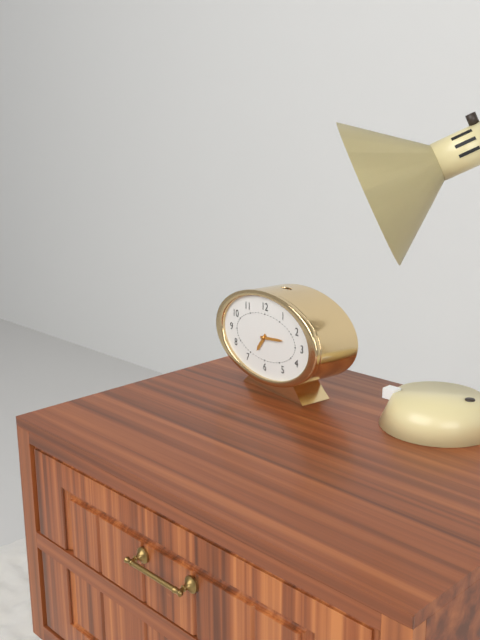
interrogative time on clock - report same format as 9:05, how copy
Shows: 7:14
